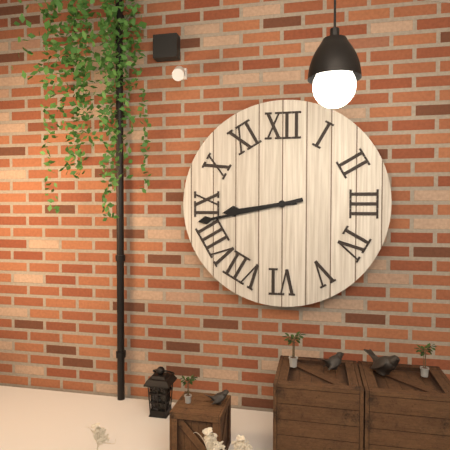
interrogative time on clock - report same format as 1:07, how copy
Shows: 8:43
